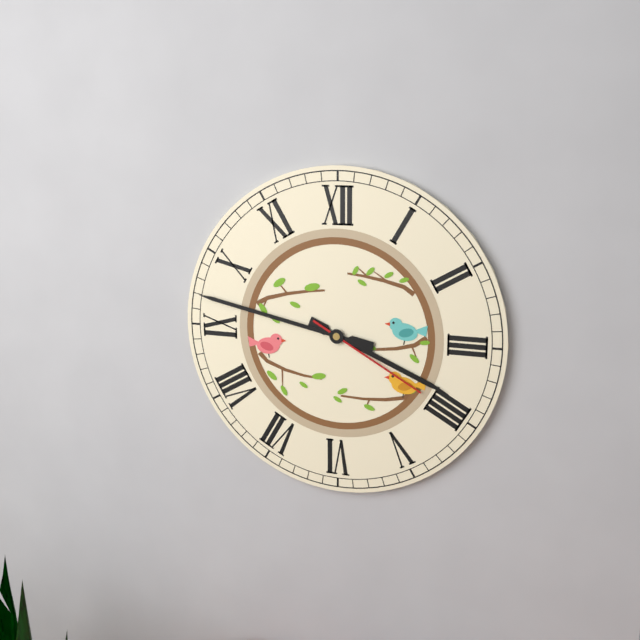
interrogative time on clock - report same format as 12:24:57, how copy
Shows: 3:47:20
